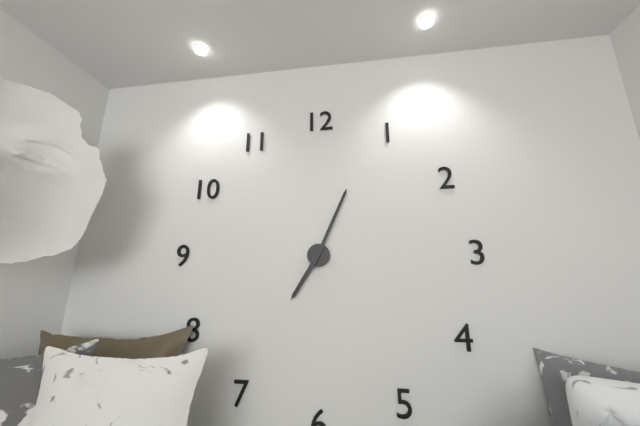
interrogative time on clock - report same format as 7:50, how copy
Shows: 7:04
